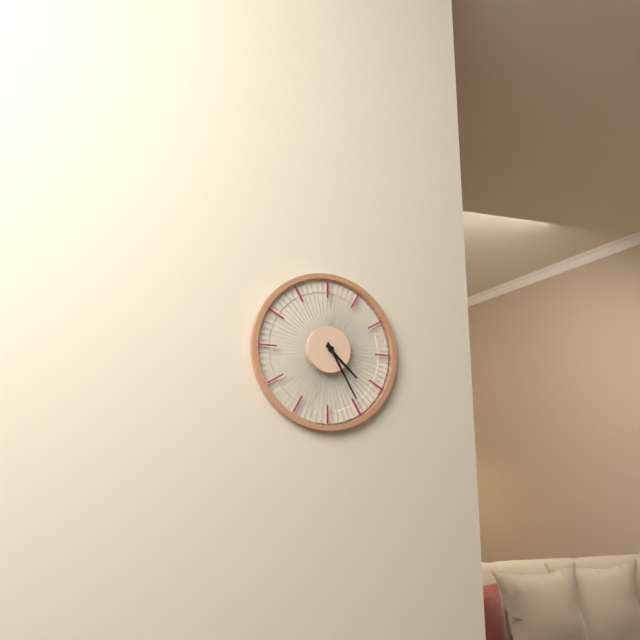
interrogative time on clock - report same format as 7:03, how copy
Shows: 4:25
